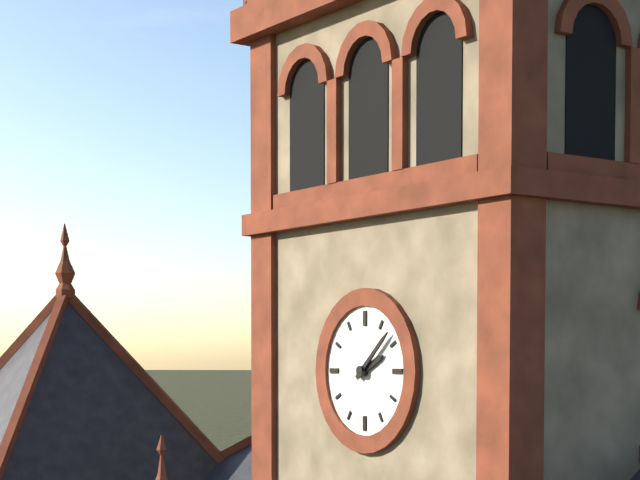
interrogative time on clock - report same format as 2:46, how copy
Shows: 2:08
